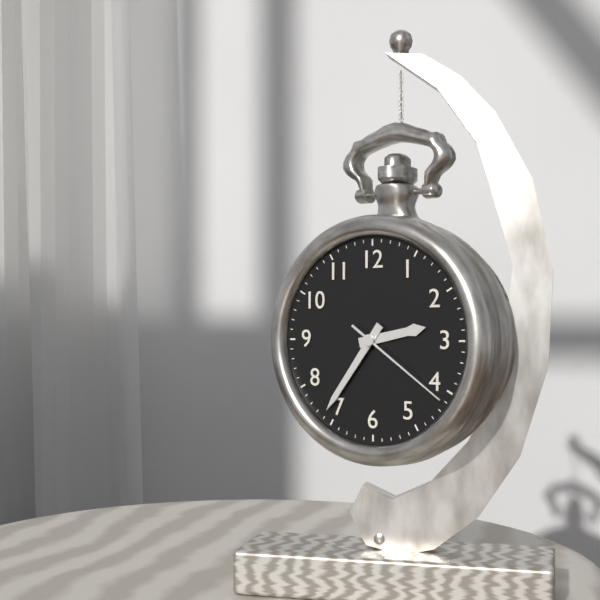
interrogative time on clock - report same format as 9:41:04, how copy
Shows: 2:36:21
